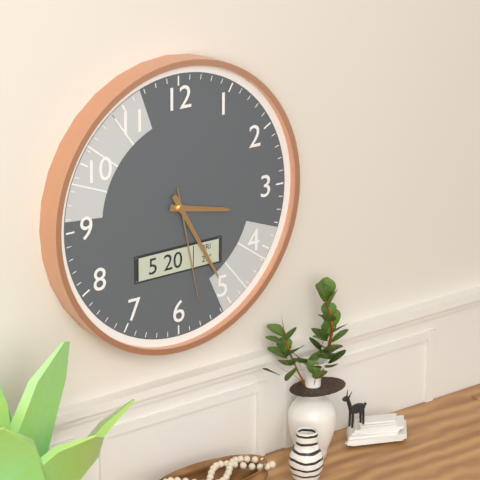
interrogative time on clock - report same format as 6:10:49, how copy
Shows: 3:25:28
